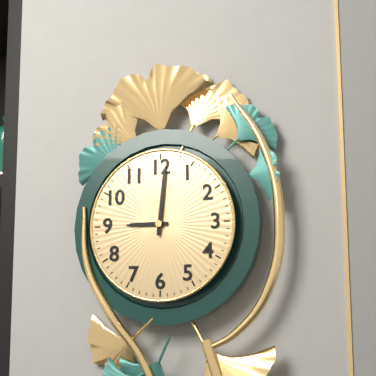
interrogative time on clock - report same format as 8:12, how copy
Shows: 9:01
